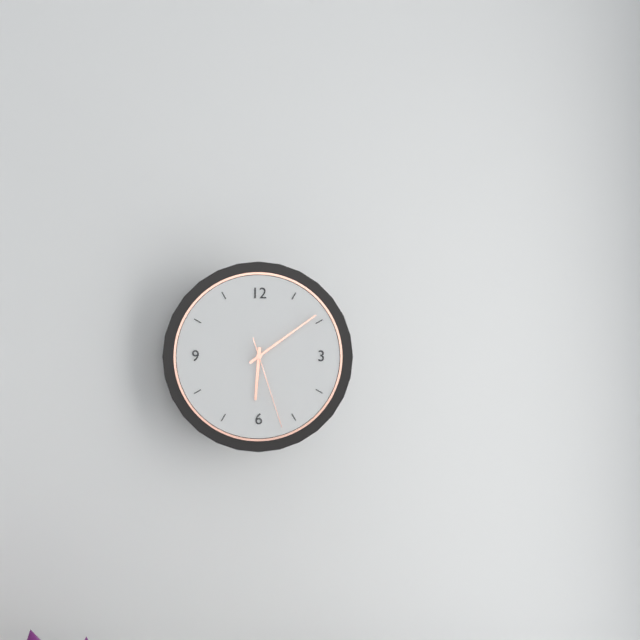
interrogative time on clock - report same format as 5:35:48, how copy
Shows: 6:09:27
